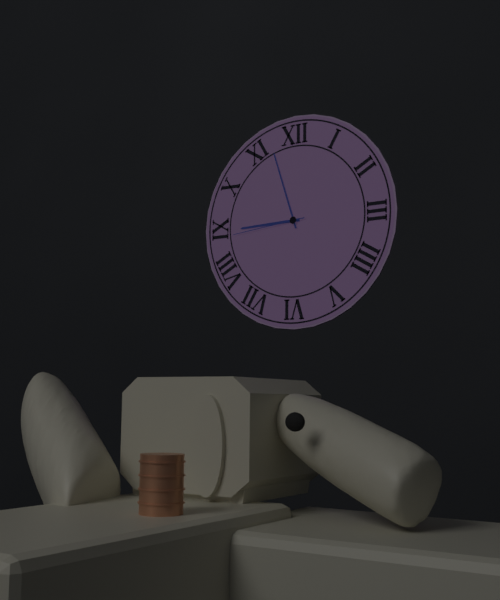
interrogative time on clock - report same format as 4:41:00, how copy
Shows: 8:57:44
